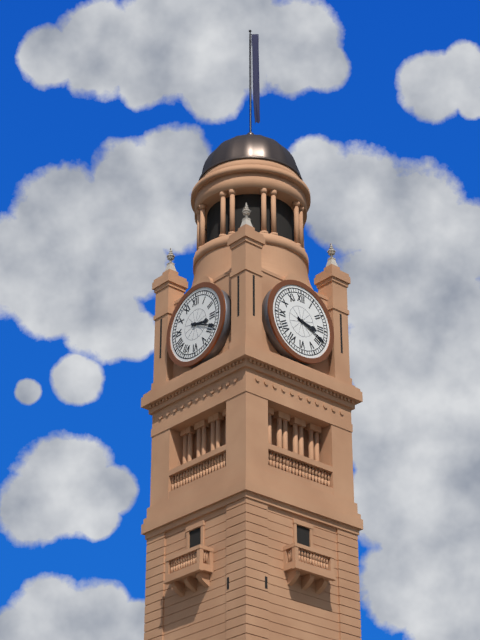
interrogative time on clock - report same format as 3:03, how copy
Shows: 3:19
